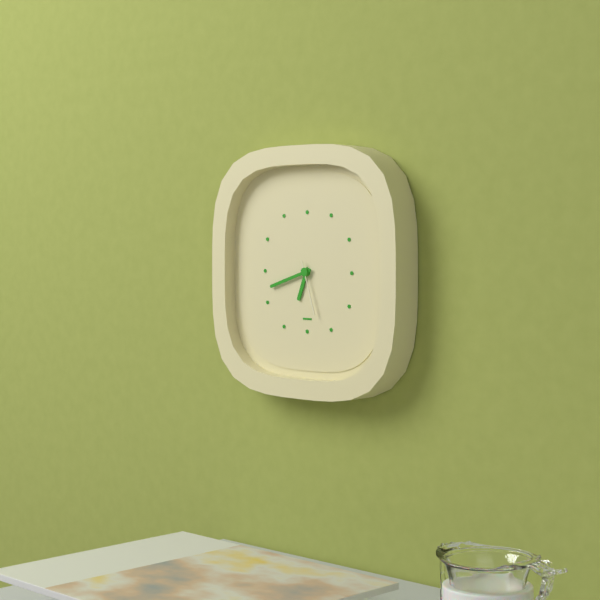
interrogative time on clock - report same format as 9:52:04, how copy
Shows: 6:42:27
